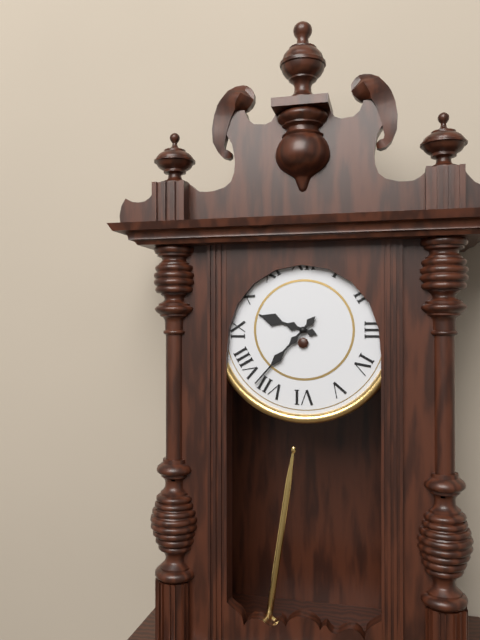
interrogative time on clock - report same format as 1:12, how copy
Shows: 9:37
